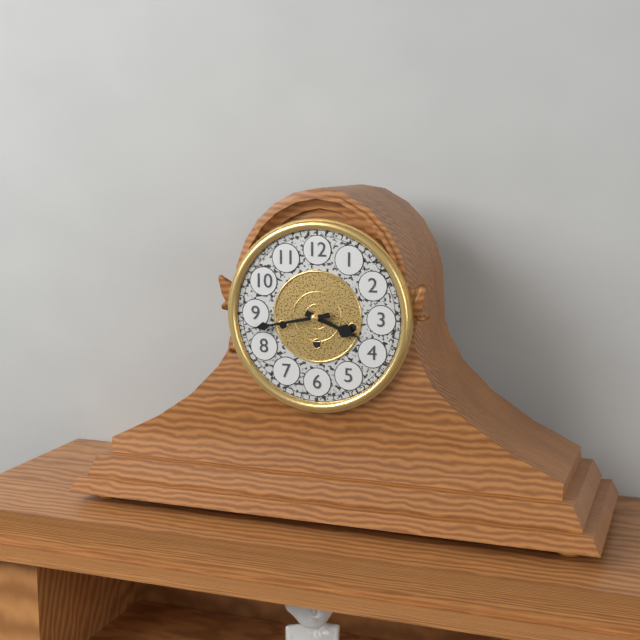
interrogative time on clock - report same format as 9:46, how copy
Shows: 3:43
